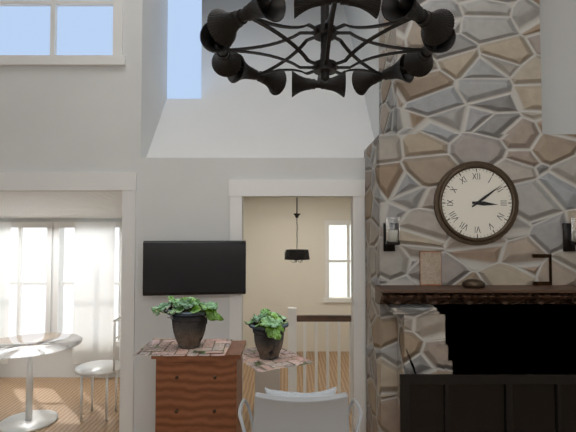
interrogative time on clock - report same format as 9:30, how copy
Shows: 3:09
